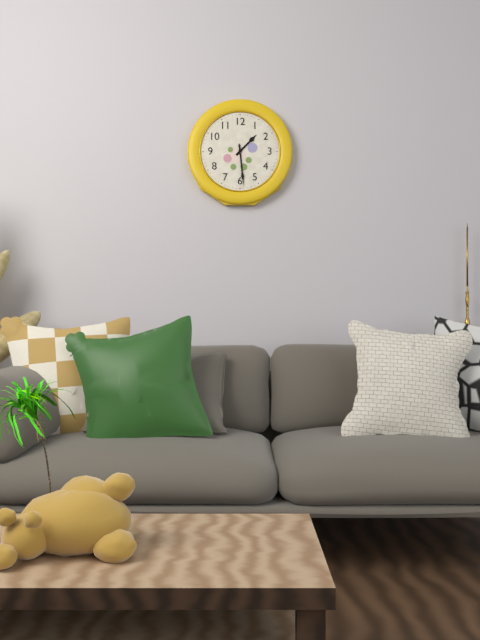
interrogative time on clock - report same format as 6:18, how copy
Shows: 1:29
